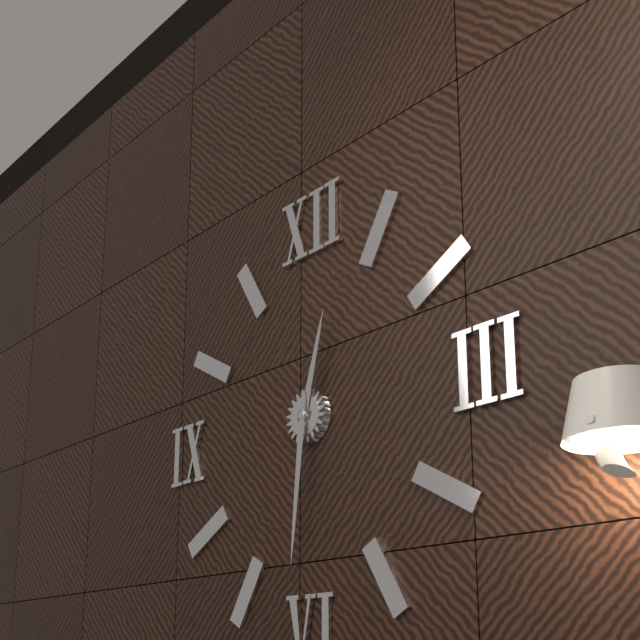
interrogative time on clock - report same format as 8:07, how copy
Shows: 12:31
